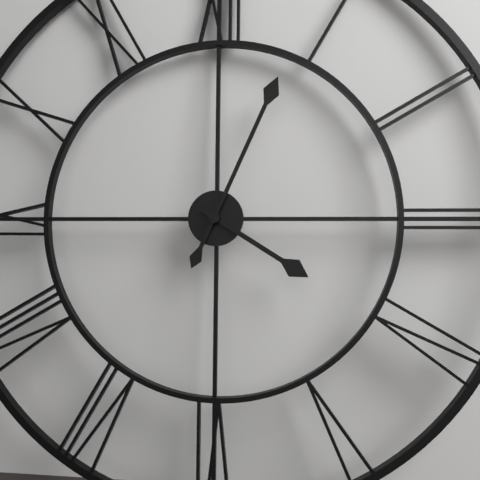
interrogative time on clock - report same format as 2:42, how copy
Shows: 4:04
